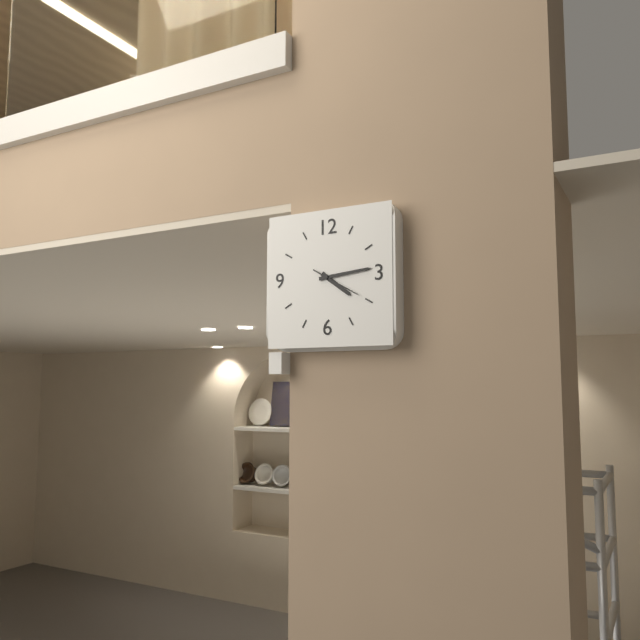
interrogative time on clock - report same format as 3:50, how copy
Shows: 4:14
